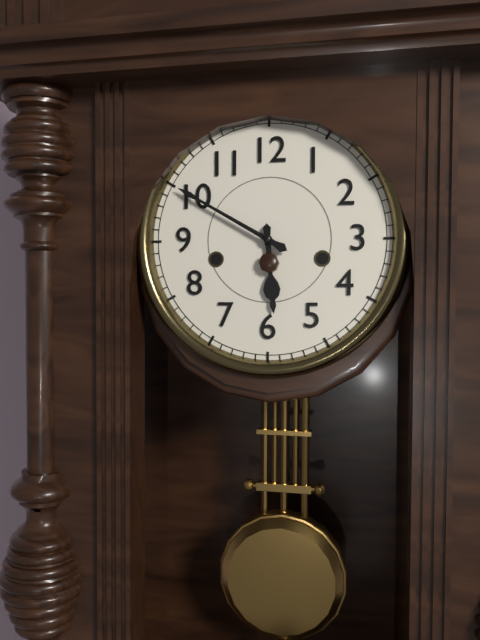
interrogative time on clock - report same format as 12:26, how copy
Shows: 5:50
